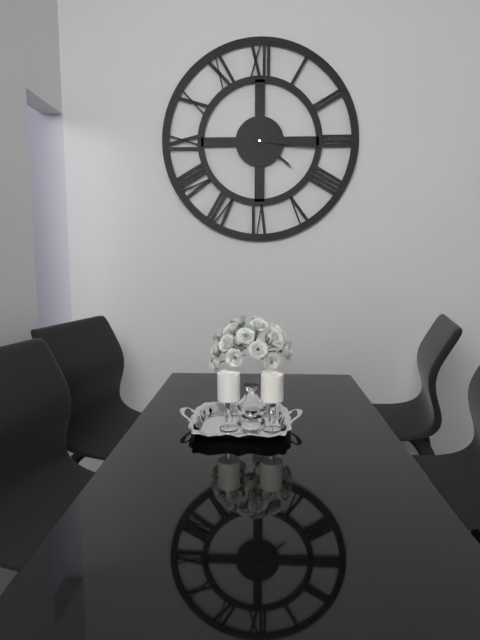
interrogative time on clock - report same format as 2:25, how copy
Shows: 4:16
